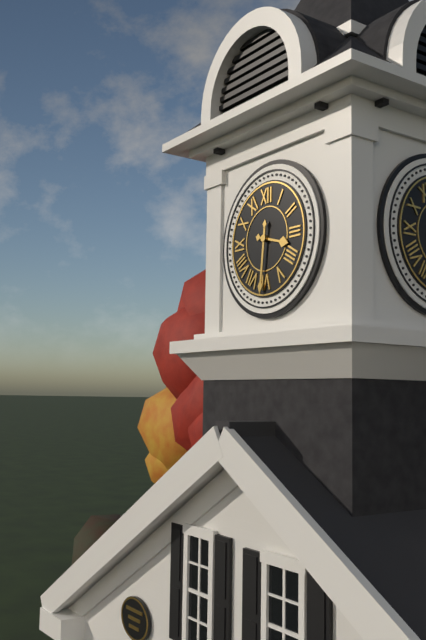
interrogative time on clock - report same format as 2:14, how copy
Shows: 3:31
